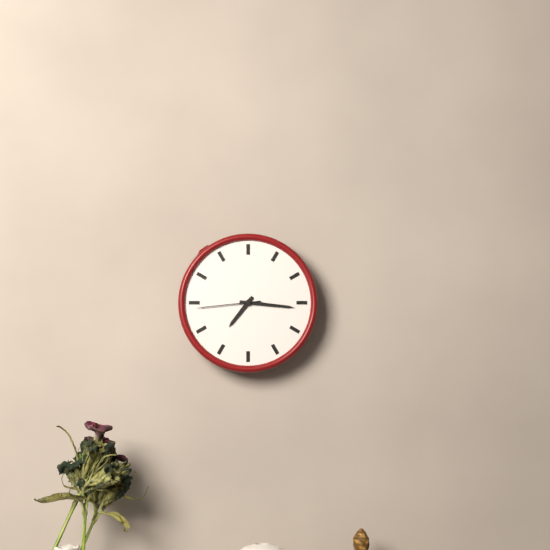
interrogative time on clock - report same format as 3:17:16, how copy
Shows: 7:16:44
